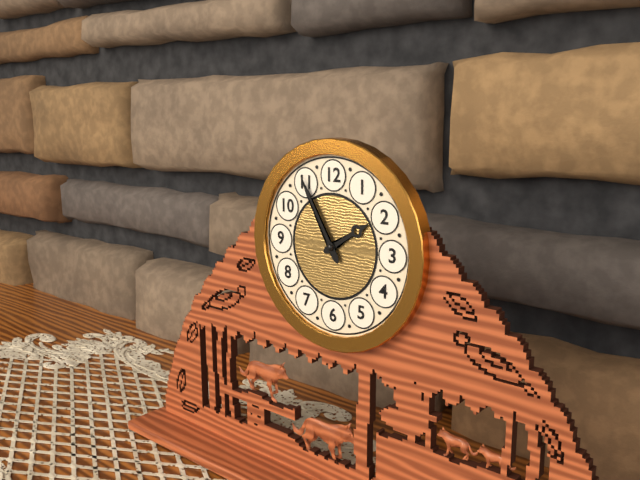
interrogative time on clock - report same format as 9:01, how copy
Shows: 1:55
